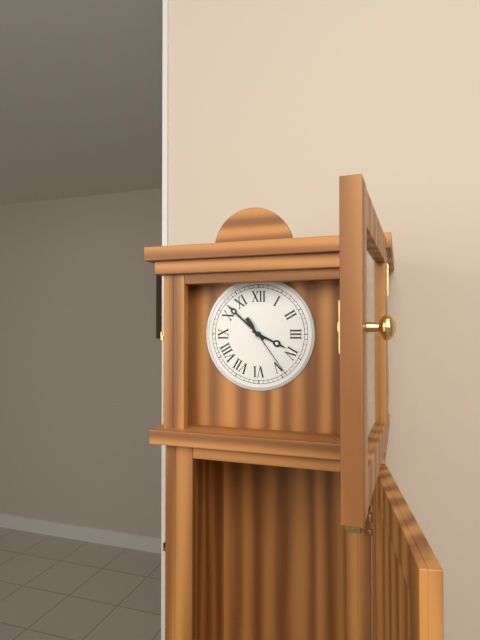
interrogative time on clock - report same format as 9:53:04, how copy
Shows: 3:52:24
